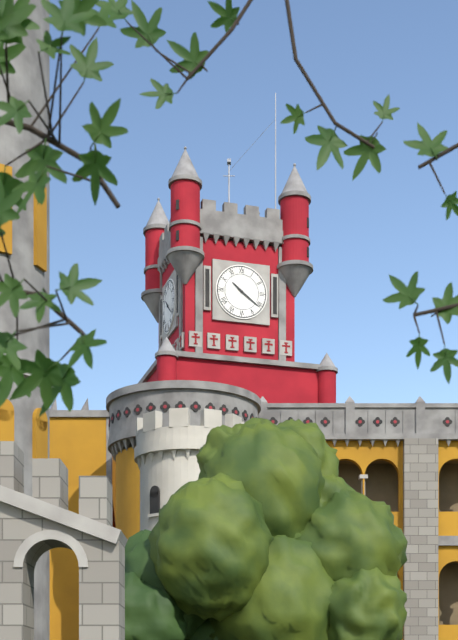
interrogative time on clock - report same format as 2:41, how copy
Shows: 10:21
